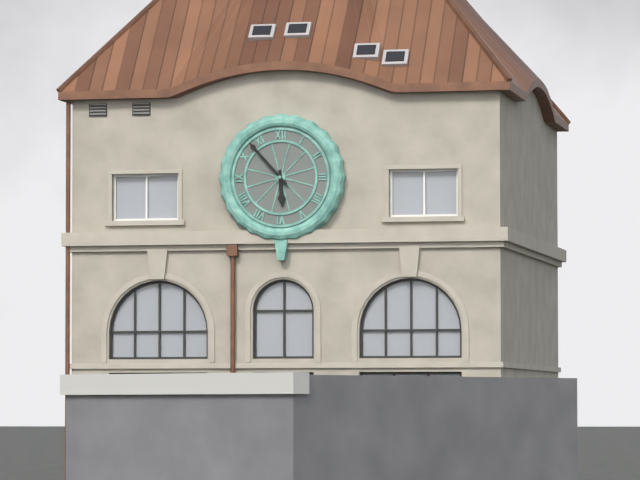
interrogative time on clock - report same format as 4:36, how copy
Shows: 5:53
